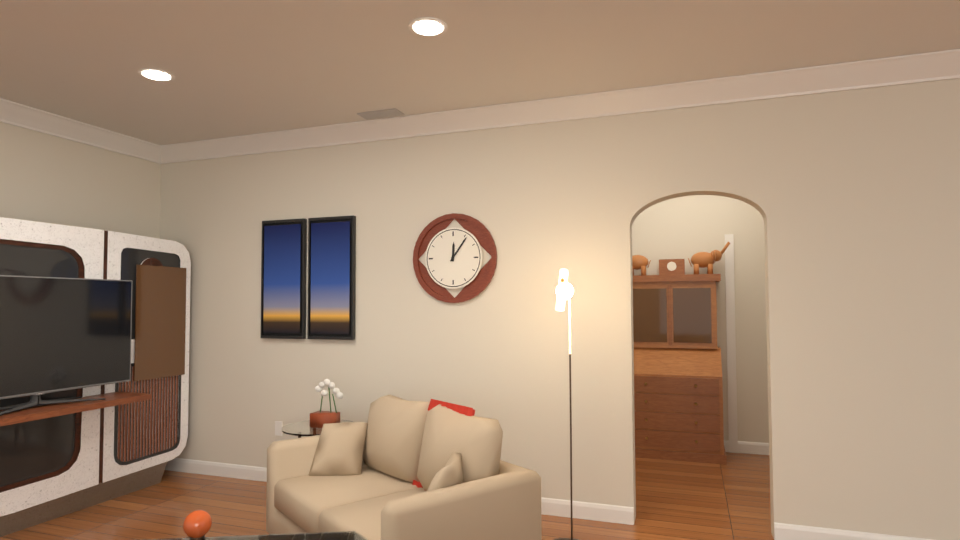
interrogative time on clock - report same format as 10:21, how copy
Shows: 12:06
